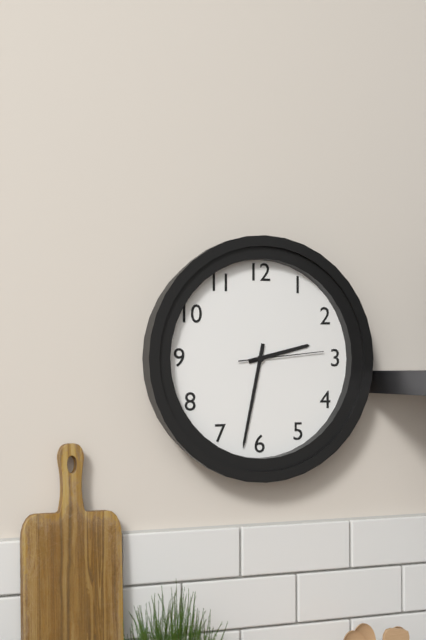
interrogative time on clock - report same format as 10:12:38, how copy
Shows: 2:32:14
